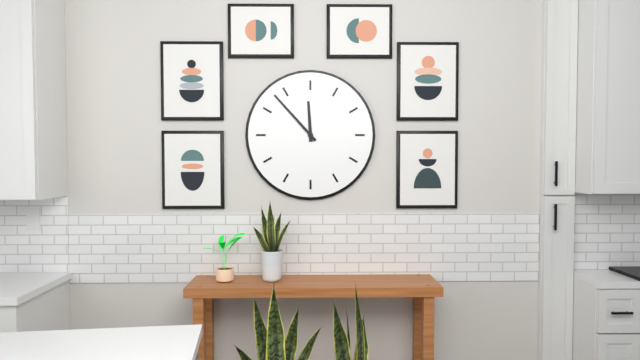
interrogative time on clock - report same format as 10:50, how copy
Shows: 11:53
